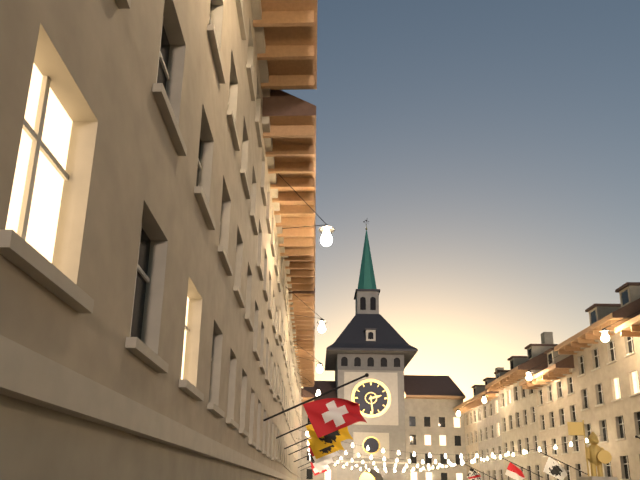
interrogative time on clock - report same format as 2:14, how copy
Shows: 2:29
